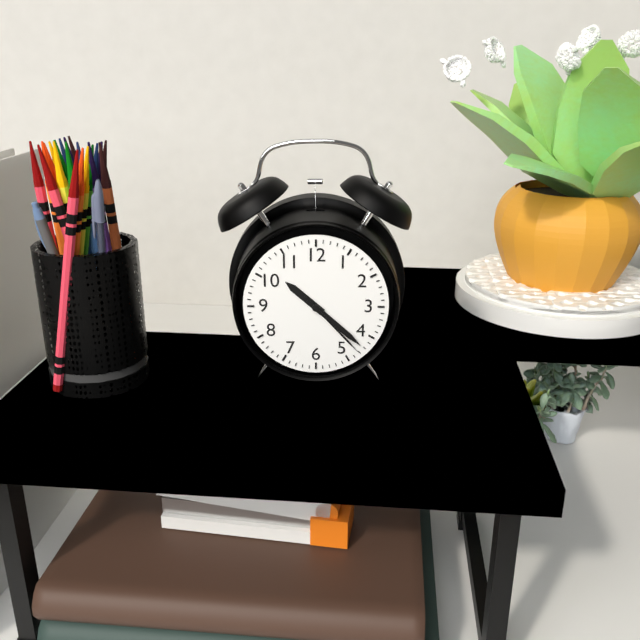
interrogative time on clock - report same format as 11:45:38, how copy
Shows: 10:22:23
